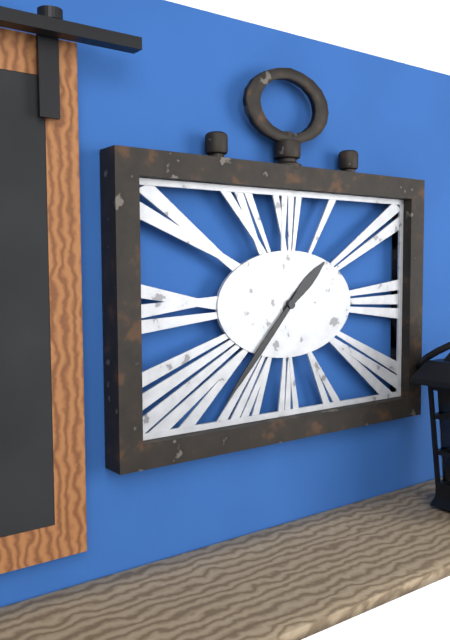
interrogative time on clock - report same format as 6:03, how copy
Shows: 1:37
